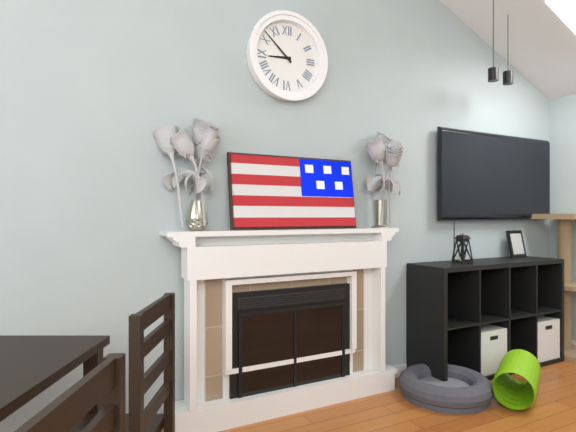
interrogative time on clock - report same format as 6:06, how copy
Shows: 8:52
